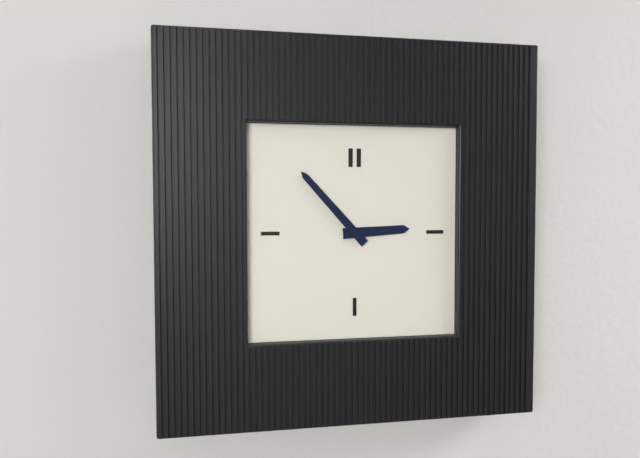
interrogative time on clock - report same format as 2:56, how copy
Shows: 2:53
